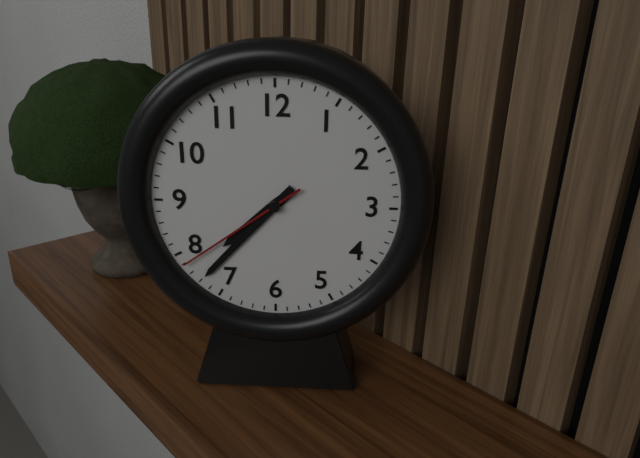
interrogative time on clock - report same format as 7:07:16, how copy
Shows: 7:37:39
